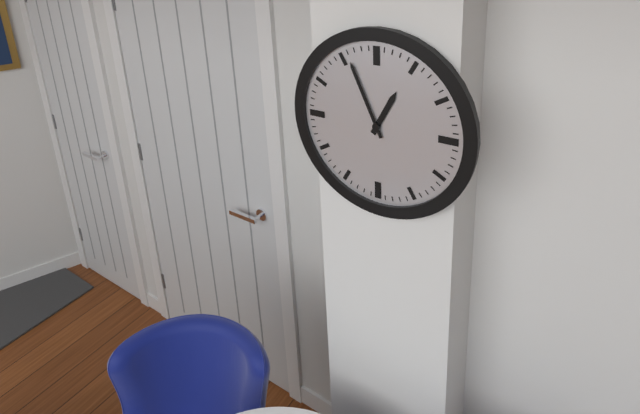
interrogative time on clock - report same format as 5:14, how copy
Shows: 12:56
